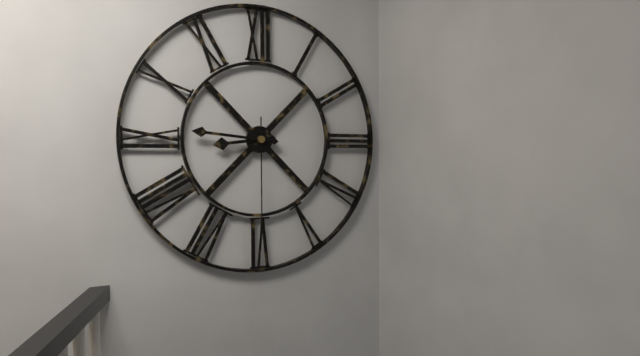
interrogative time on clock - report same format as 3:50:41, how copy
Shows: 8:46:30
